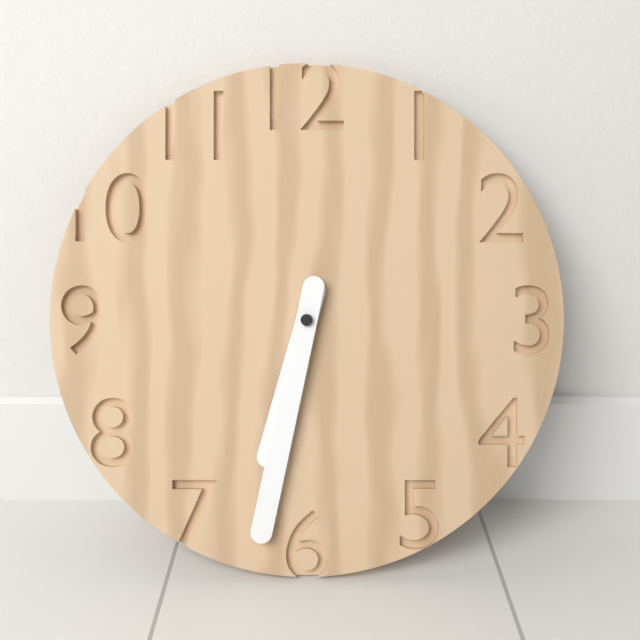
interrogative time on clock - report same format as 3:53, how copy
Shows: 6:32
